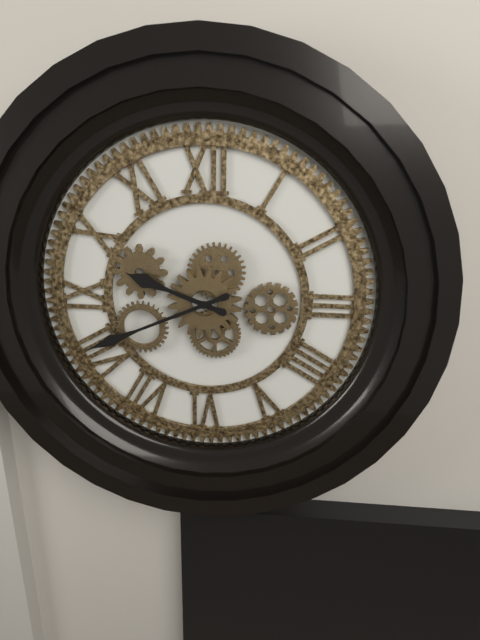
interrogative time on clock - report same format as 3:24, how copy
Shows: 9:41
